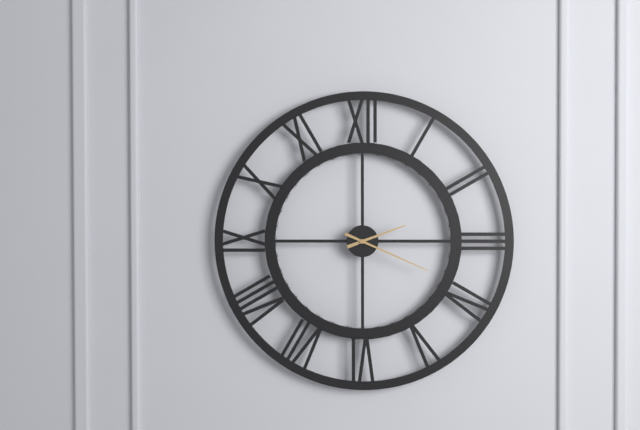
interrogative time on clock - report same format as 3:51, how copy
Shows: 2:19
